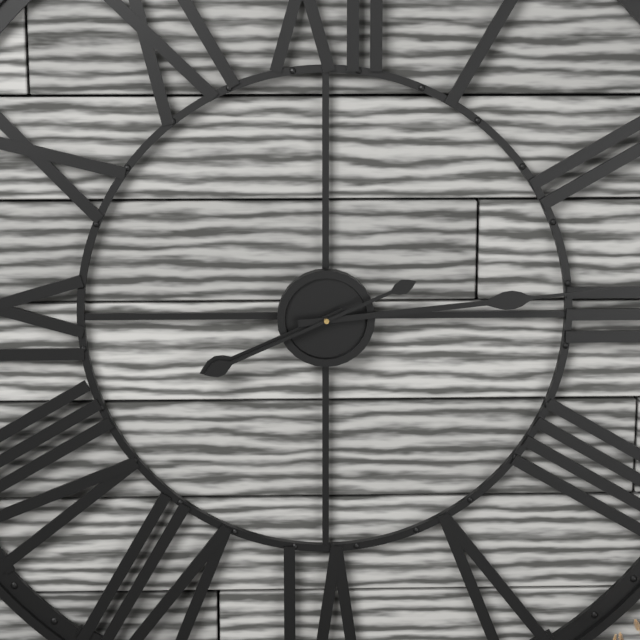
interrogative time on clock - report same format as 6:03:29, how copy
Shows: 8:14:41
